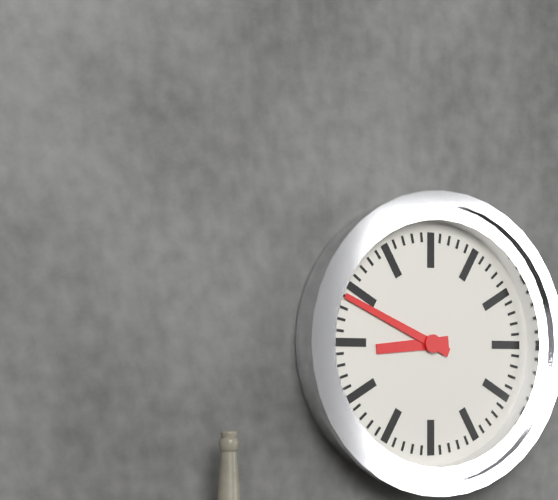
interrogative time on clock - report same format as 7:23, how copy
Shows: 8:49
